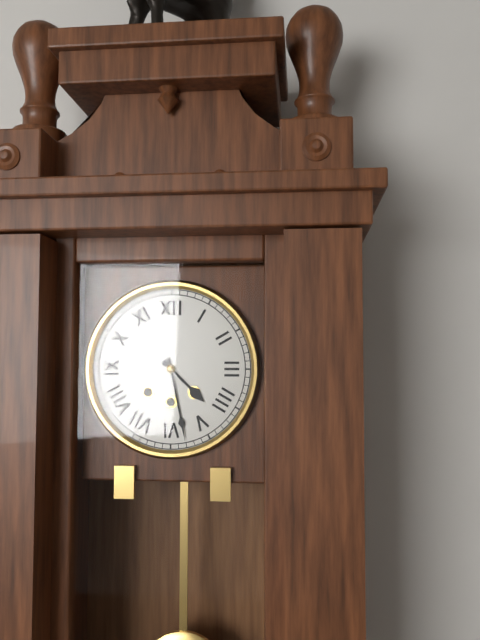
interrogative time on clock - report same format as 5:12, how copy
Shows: 4:28
